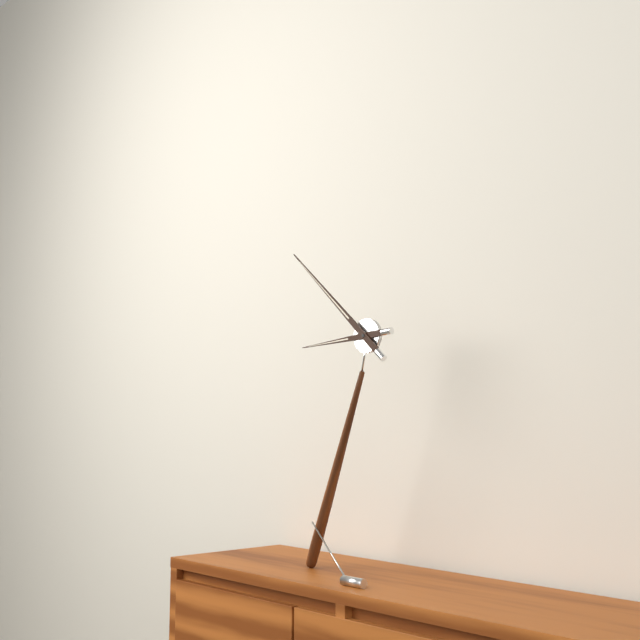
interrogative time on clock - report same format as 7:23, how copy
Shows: 8:52
